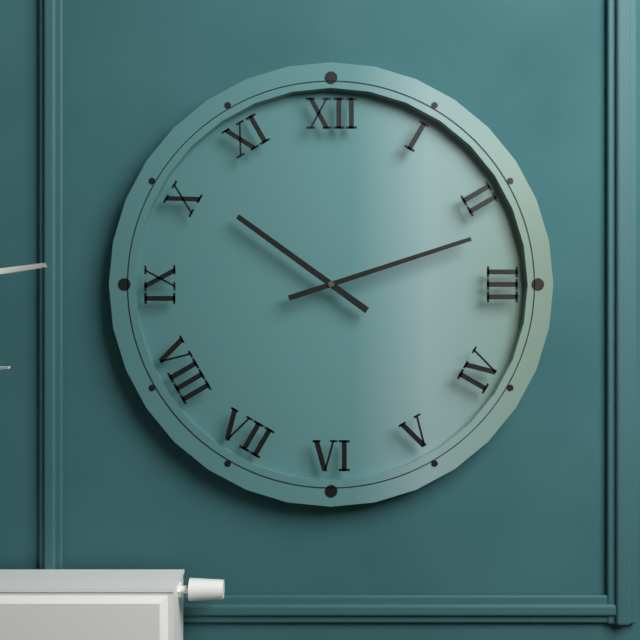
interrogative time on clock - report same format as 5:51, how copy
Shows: 10:12
